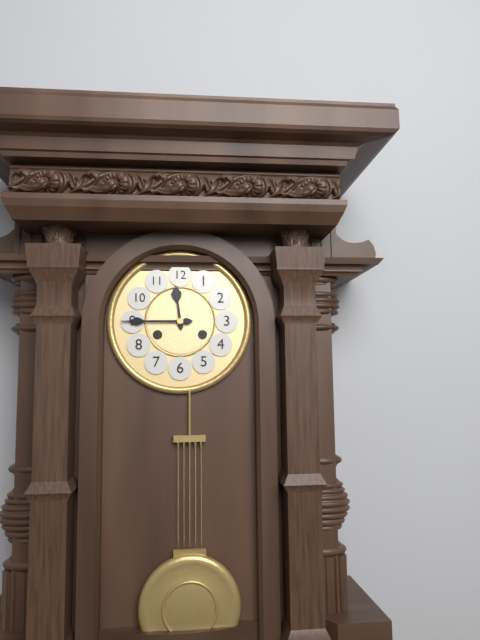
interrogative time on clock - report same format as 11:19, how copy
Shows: 11:45
